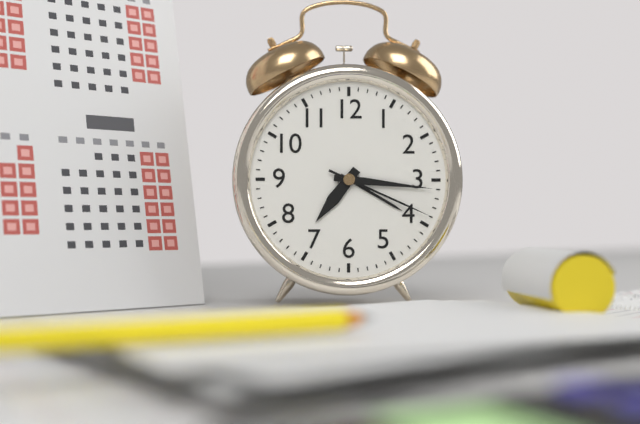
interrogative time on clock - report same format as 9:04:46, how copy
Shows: 7:16:19
